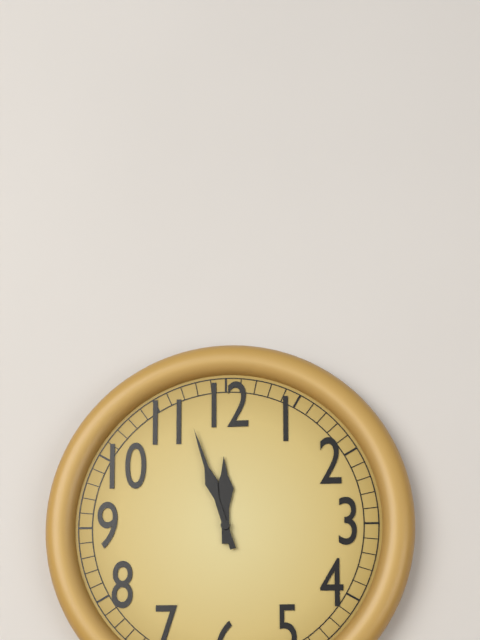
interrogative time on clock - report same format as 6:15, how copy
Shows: 11:57
